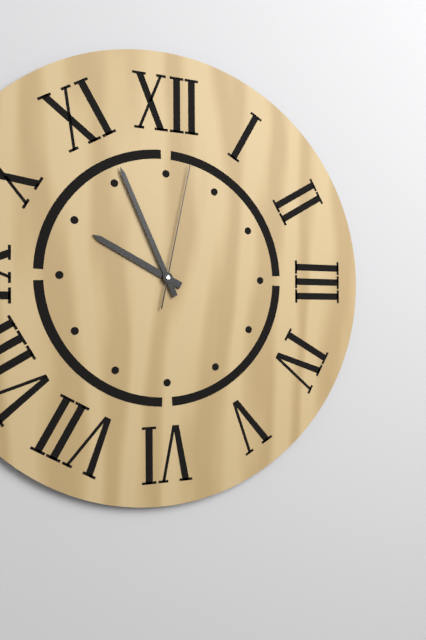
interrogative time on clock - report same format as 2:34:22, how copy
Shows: 9:56:02
